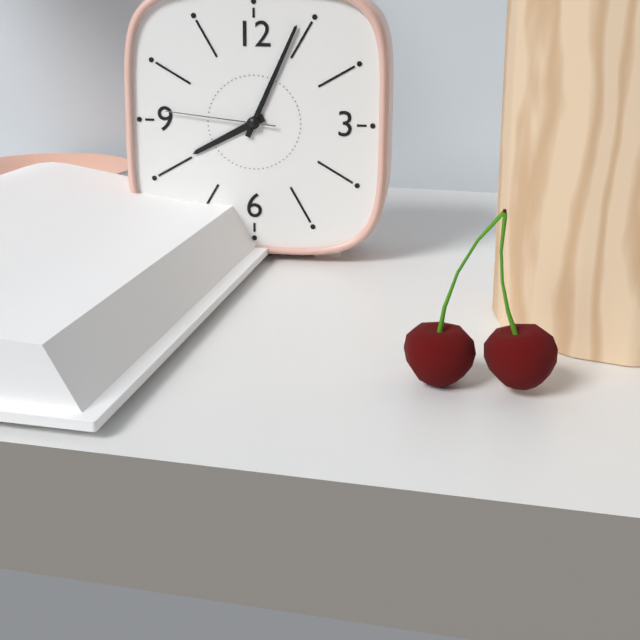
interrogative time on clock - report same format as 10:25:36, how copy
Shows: 8:04:46
